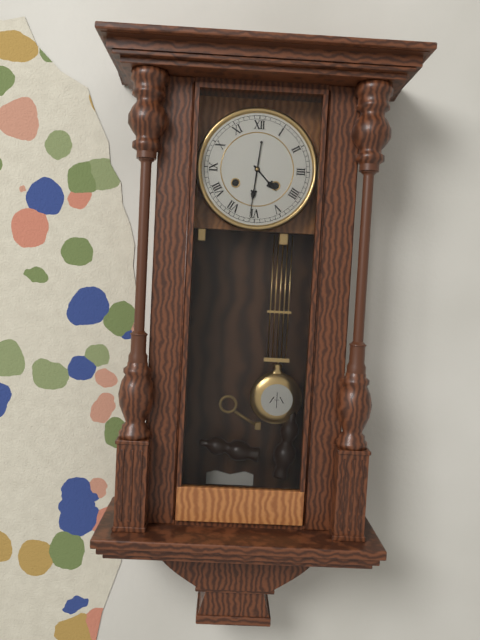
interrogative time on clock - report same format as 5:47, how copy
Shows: 4:31
